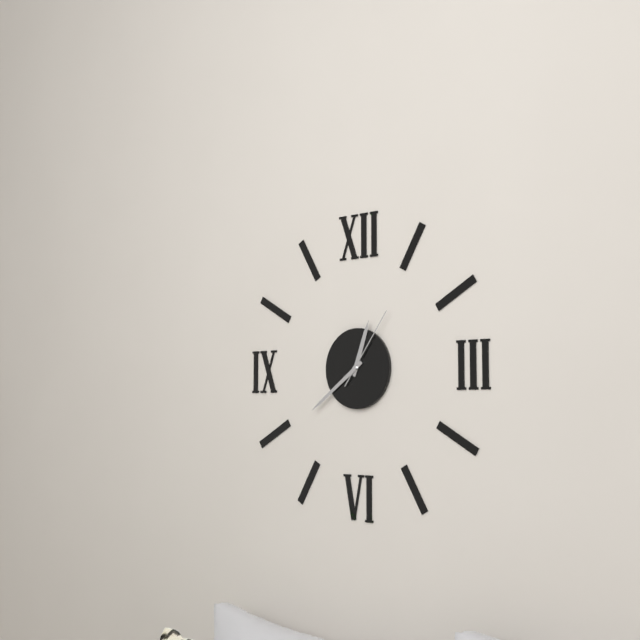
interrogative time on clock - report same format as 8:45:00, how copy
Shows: 12:39:06
